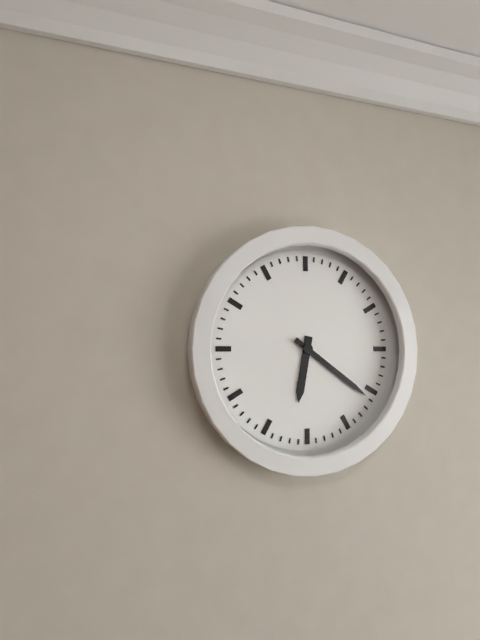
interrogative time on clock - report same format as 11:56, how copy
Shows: 6:21
